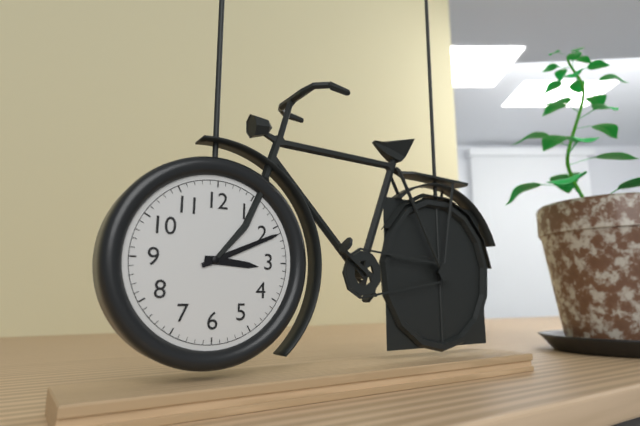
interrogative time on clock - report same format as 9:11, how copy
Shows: 3:11
